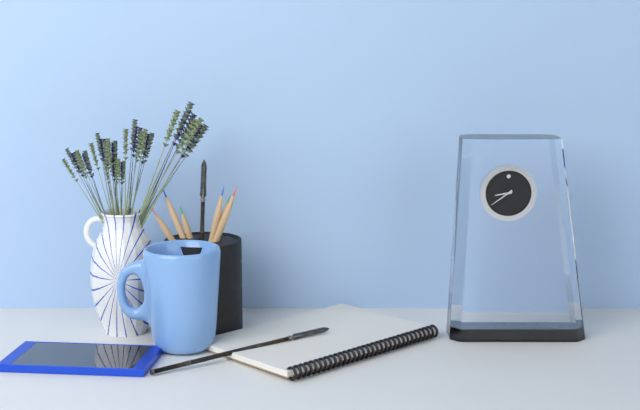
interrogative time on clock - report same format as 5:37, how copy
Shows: 8:39
